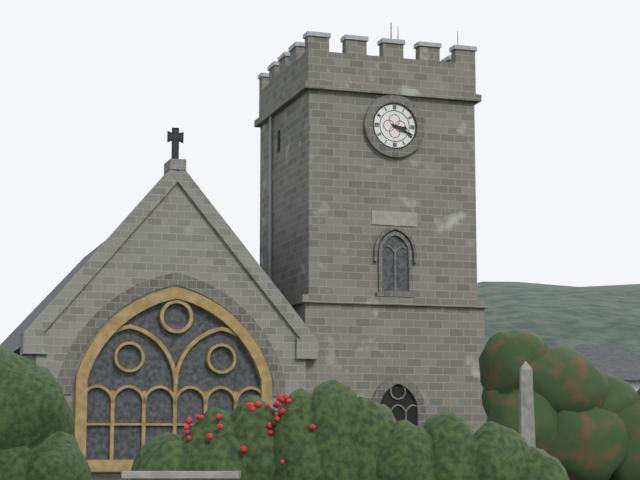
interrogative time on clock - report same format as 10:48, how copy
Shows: 3:19
